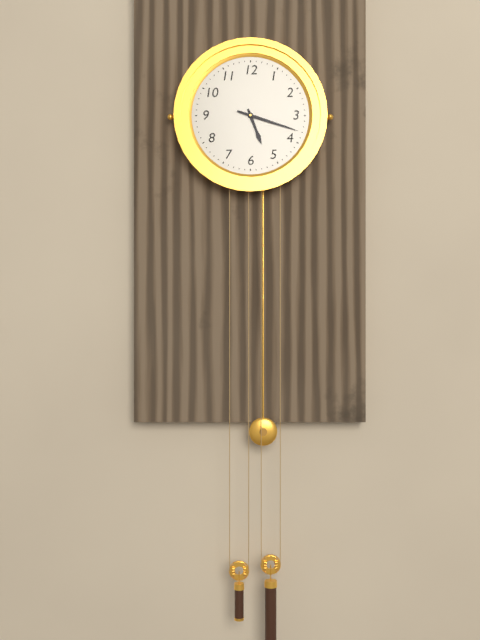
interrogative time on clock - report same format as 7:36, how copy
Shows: 5:18
